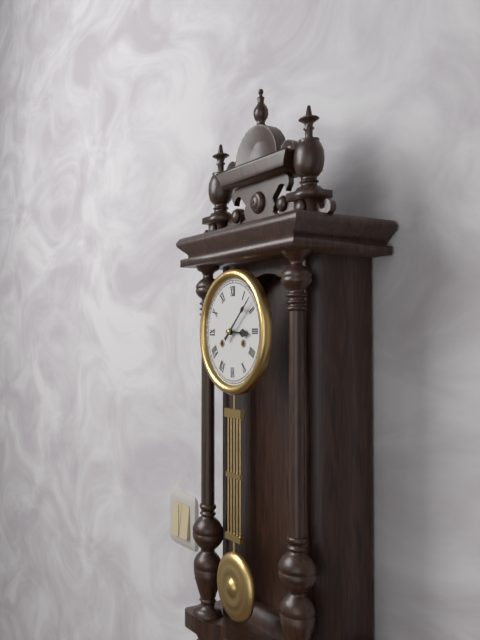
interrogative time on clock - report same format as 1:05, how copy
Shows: 3:08
